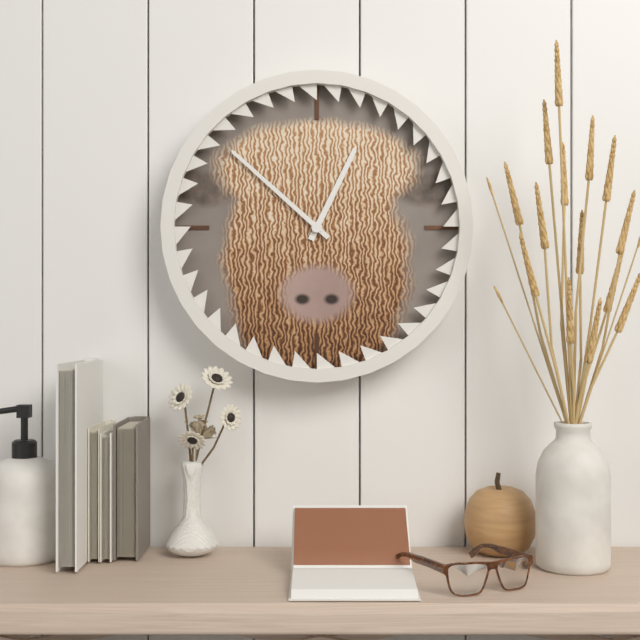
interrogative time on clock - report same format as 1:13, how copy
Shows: 12:52
